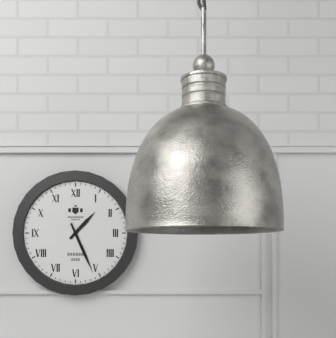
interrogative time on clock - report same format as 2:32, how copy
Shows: 1:26
